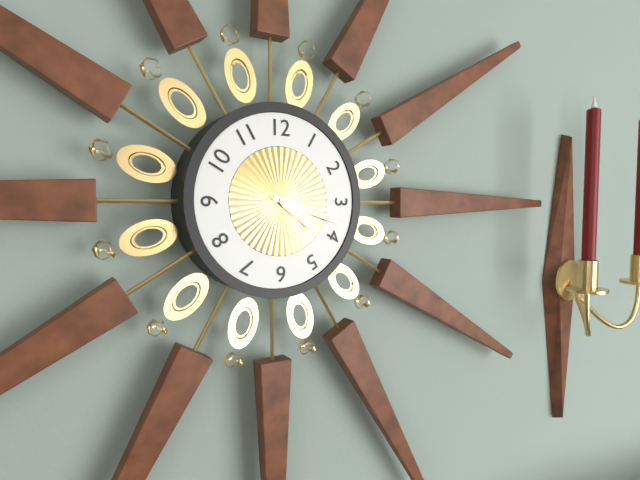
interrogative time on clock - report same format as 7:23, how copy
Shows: 4:18
